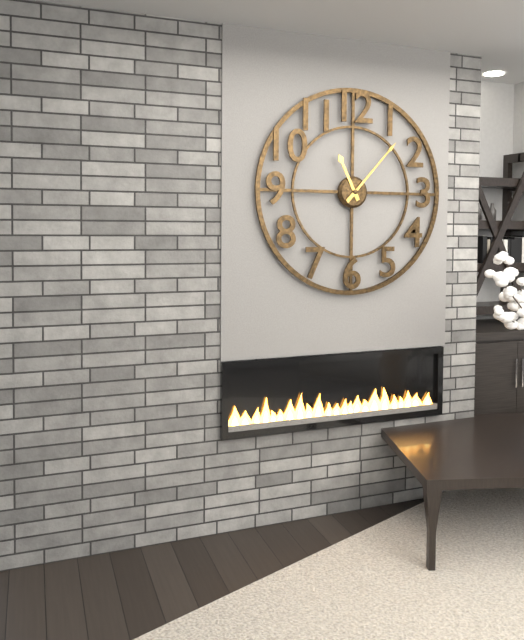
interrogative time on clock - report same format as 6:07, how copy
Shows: 11:07
